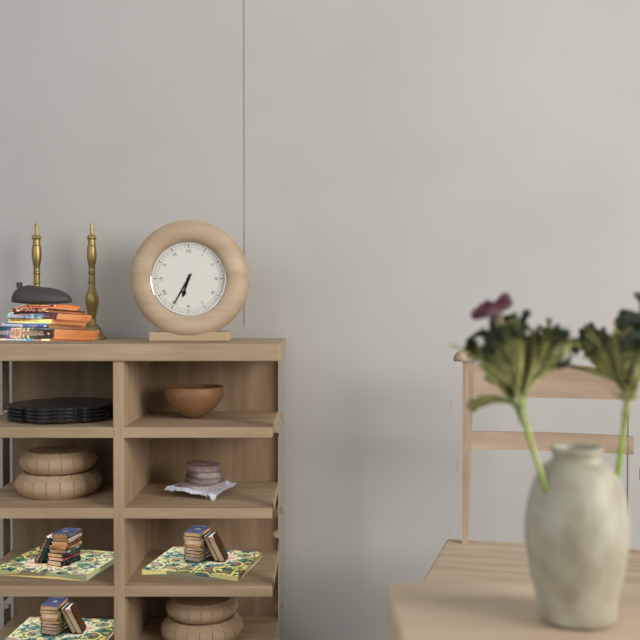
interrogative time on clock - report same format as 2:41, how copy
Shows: 6:35
